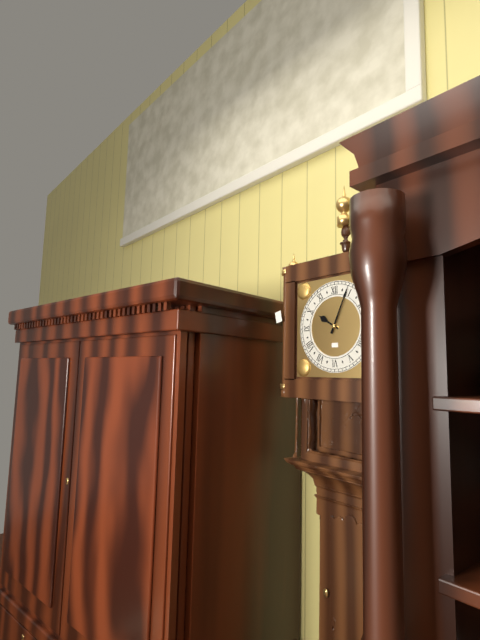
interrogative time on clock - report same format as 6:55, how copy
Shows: 10:04
